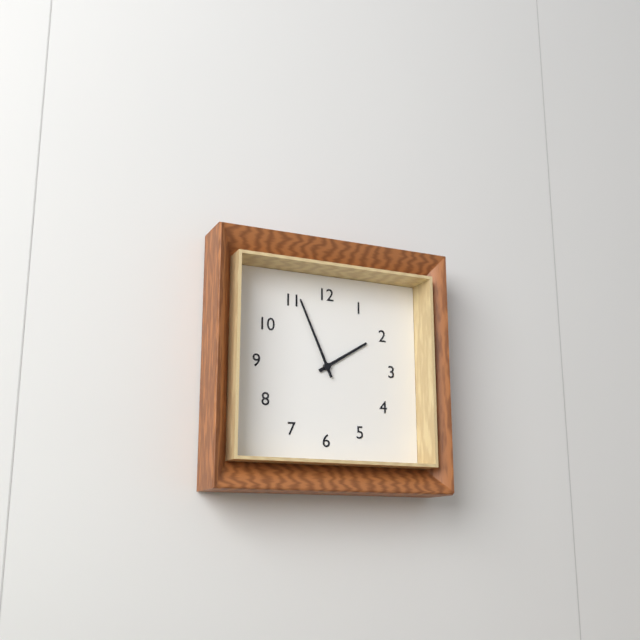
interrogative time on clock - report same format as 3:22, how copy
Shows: 1:56
